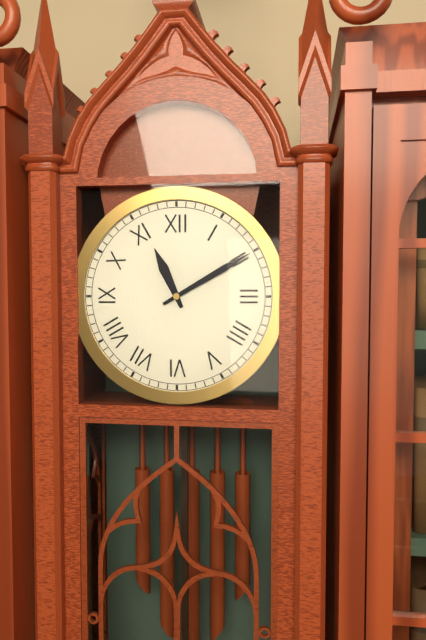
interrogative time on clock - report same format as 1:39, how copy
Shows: 11:10
